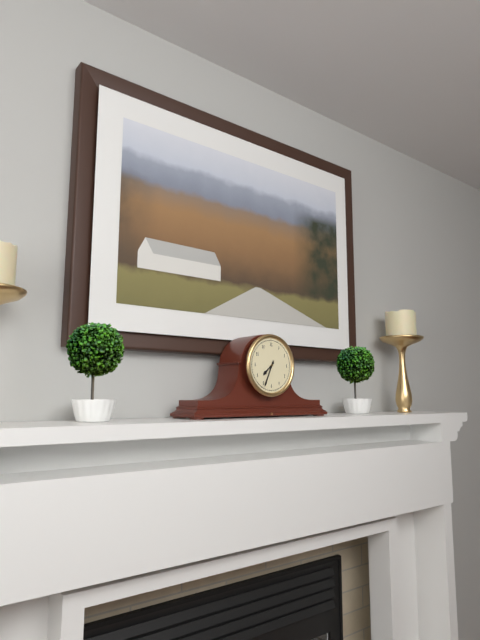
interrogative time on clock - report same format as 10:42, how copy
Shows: 7:34
